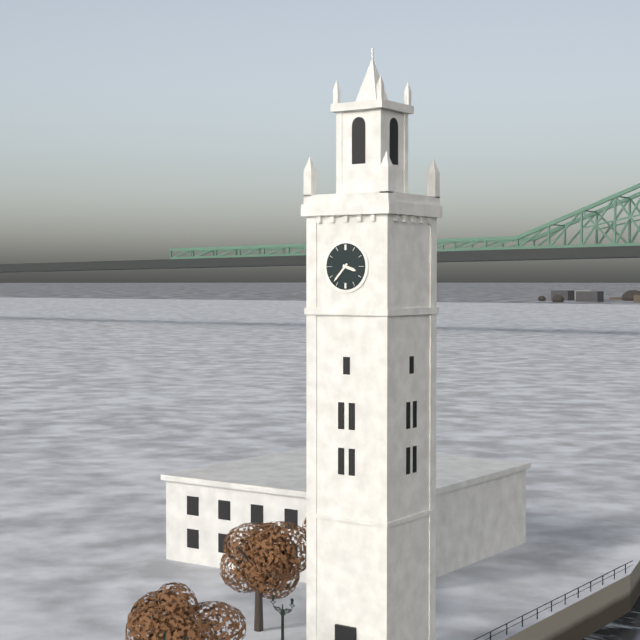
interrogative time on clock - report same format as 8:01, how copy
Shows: 3:37
